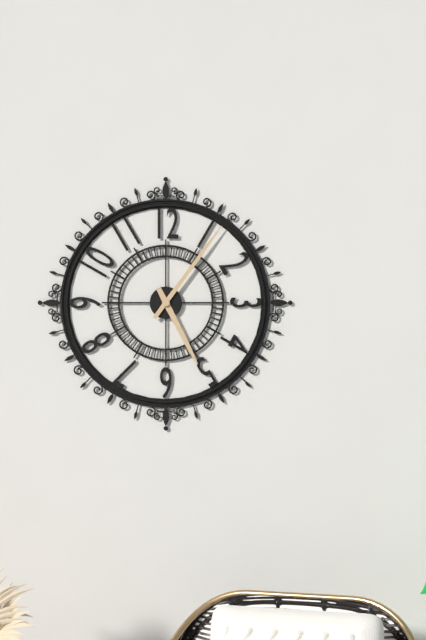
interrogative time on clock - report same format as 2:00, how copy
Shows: 5:06
